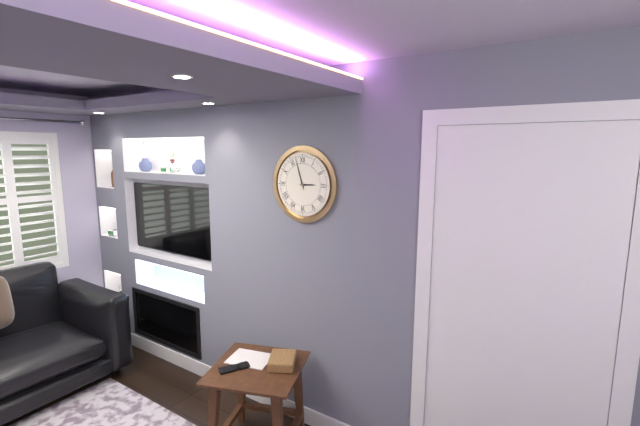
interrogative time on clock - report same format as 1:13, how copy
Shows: 2:57
